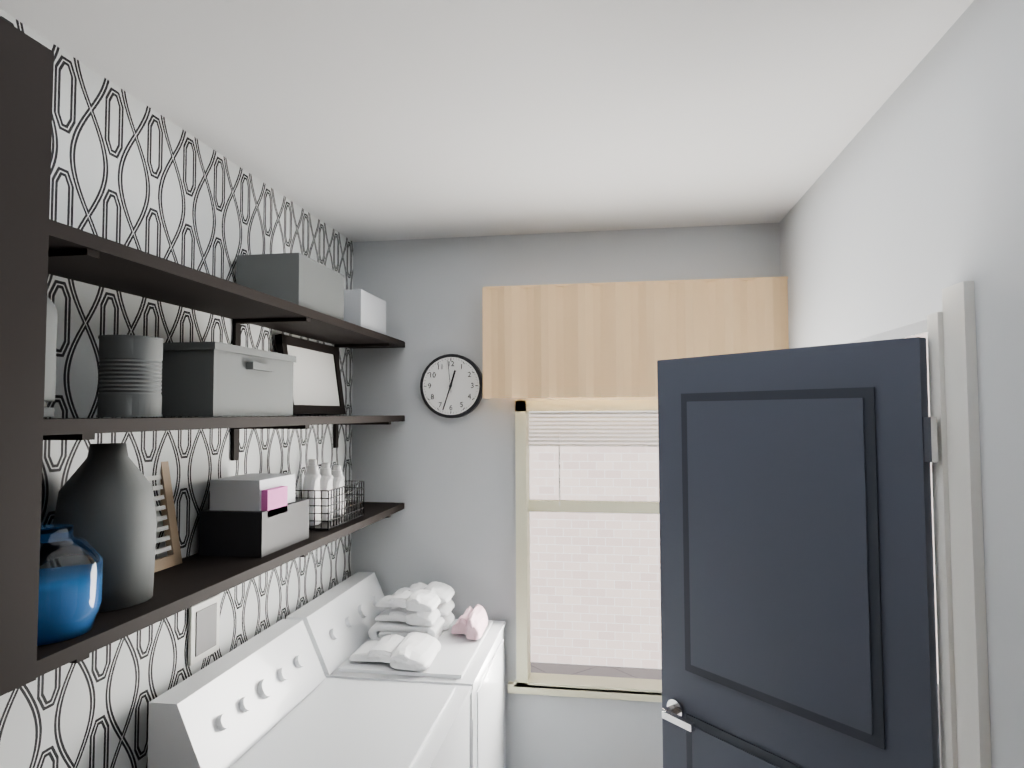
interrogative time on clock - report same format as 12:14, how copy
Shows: 12:33
